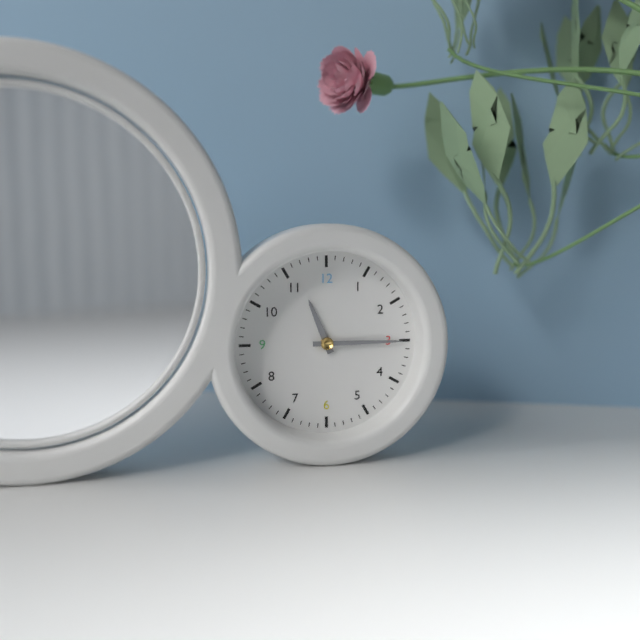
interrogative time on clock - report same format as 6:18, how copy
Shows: 11:15
